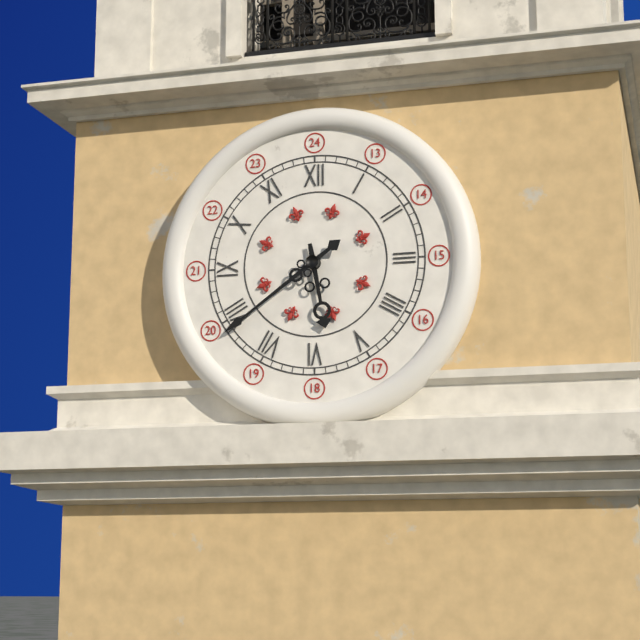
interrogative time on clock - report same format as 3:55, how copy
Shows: 5:39
